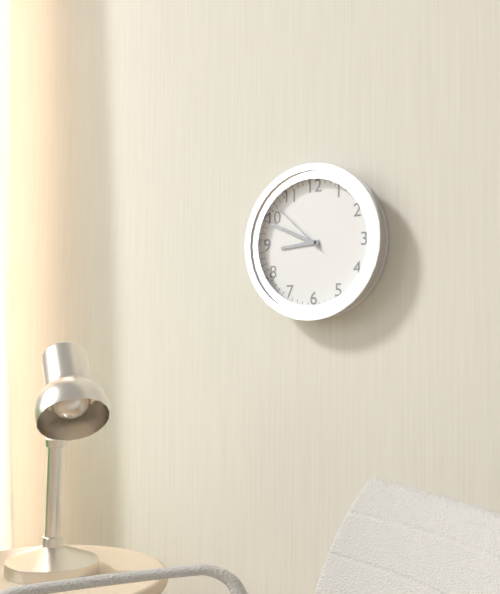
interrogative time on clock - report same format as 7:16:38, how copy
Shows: 8:49:52
